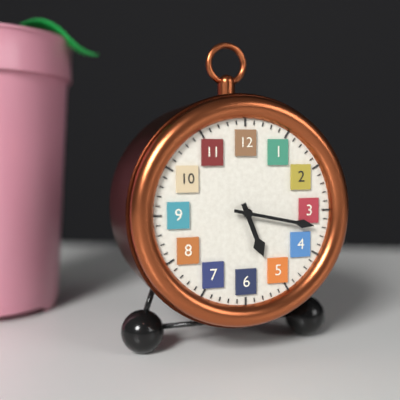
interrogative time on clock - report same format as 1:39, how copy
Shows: 5:17
